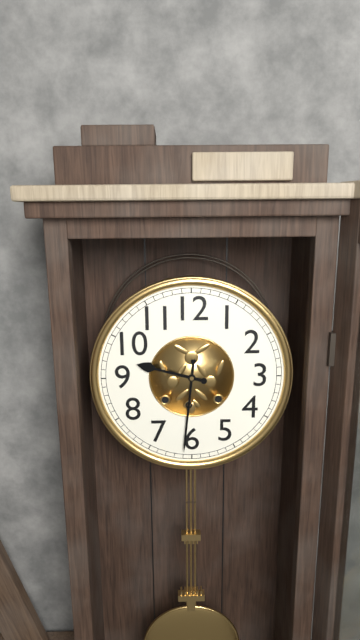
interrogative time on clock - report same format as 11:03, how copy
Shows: 9:31
